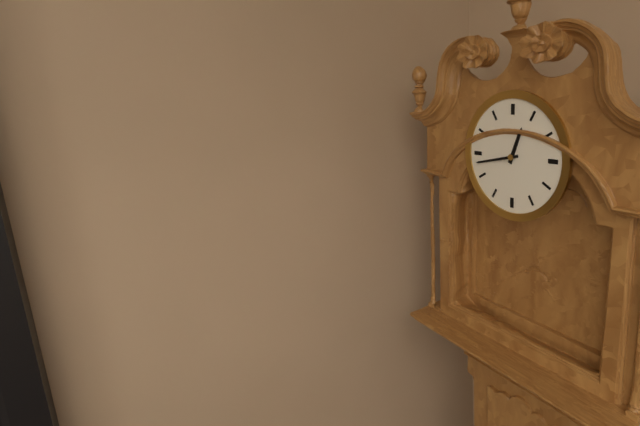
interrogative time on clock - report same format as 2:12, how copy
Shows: 12:43
